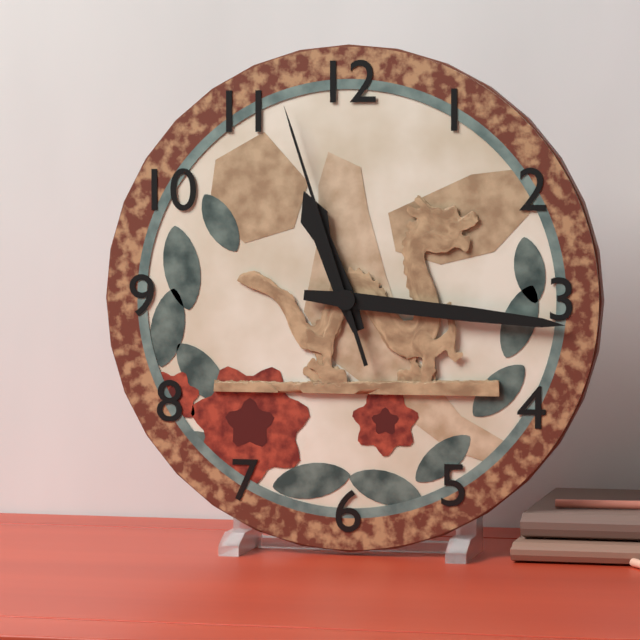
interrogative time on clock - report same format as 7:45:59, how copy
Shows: 11:16:57
